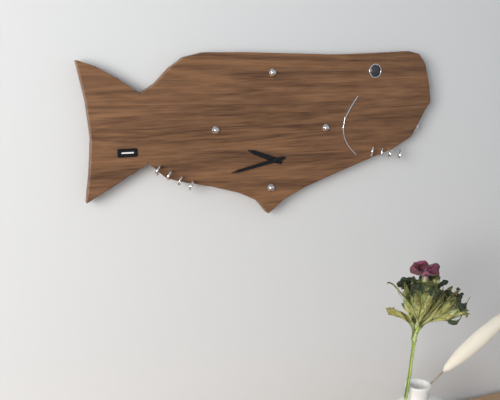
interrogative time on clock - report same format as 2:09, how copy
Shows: 9:43
